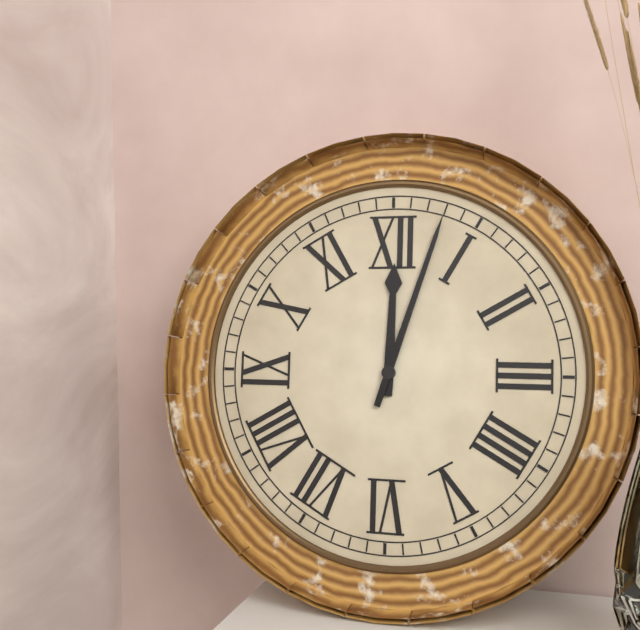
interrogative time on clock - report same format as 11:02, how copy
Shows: 12:03
